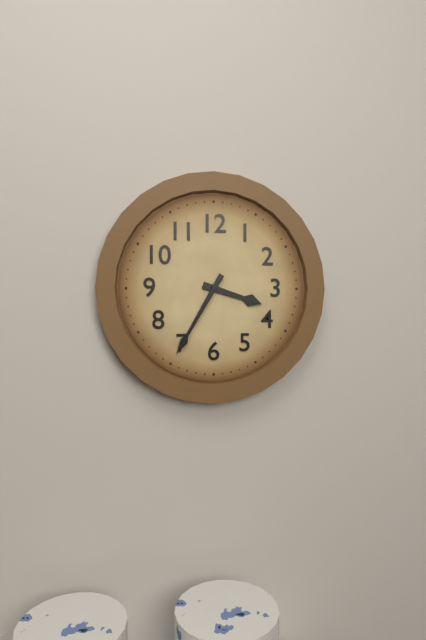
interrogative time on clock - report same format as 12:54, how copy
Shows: 3:35
